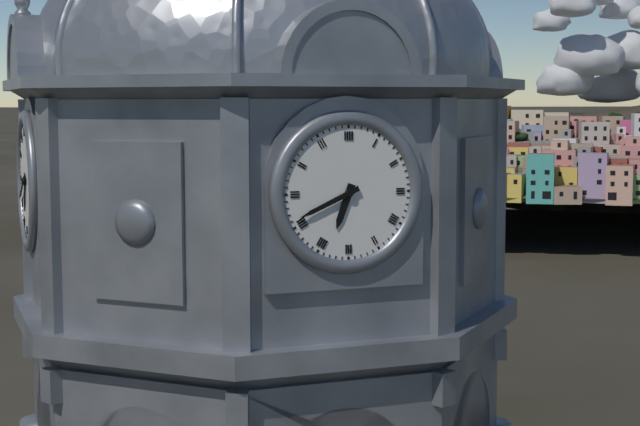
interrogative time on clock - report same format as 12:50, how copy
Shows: 6:41
